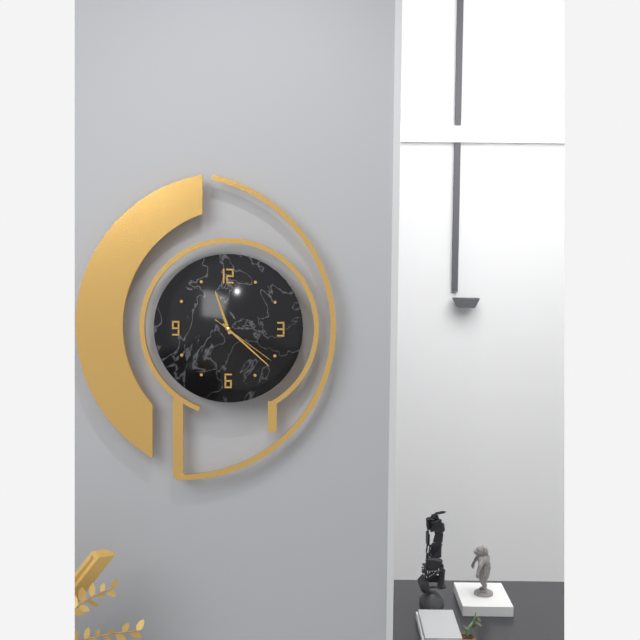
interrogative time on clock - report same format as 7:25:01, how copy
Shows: 11:22:21
